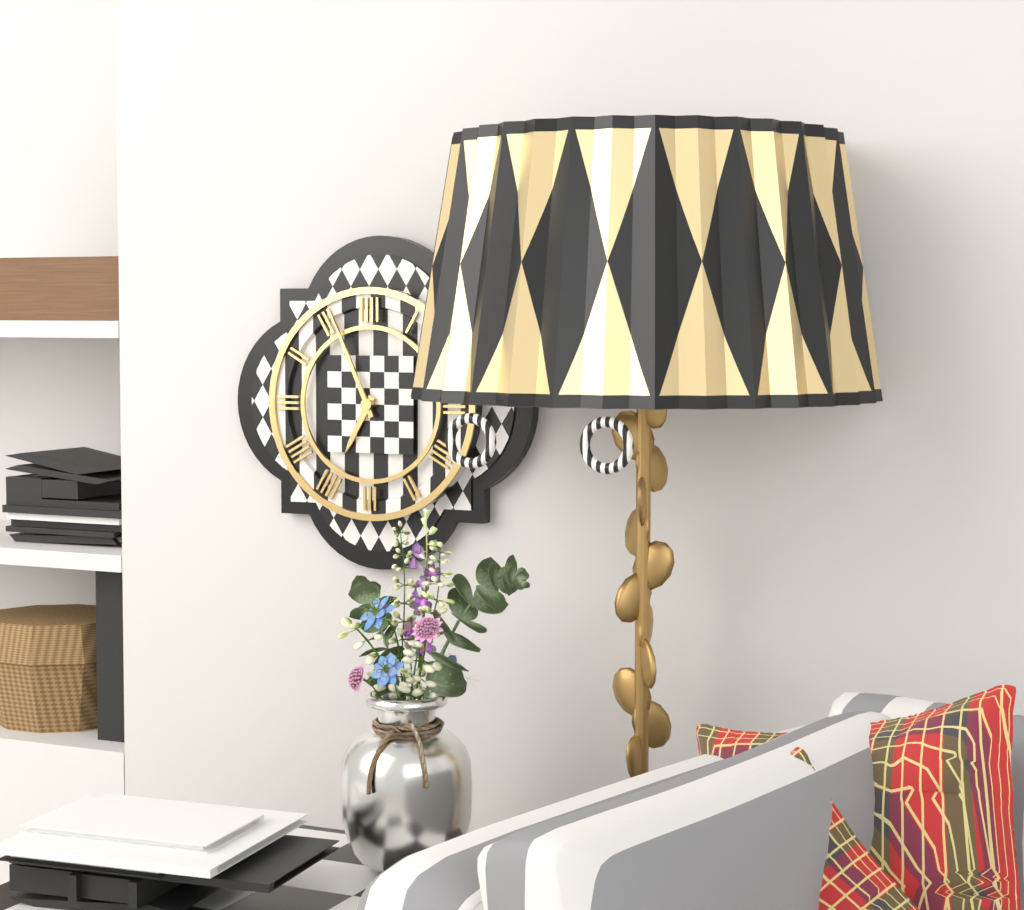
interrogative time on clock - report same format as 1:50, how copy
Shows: 6:56
